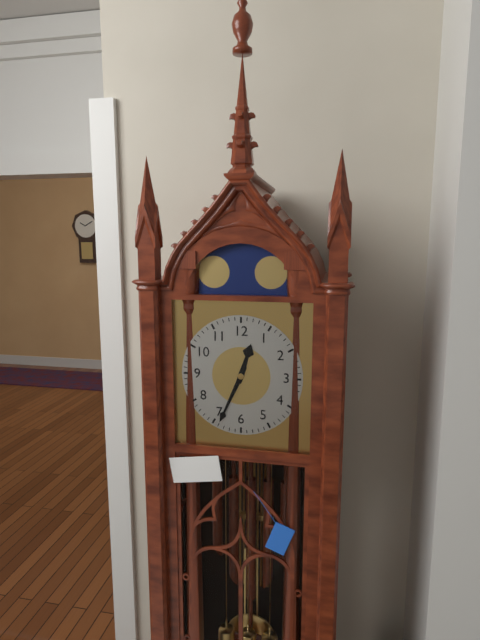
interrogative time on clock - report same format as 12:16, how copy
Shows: 12:34
